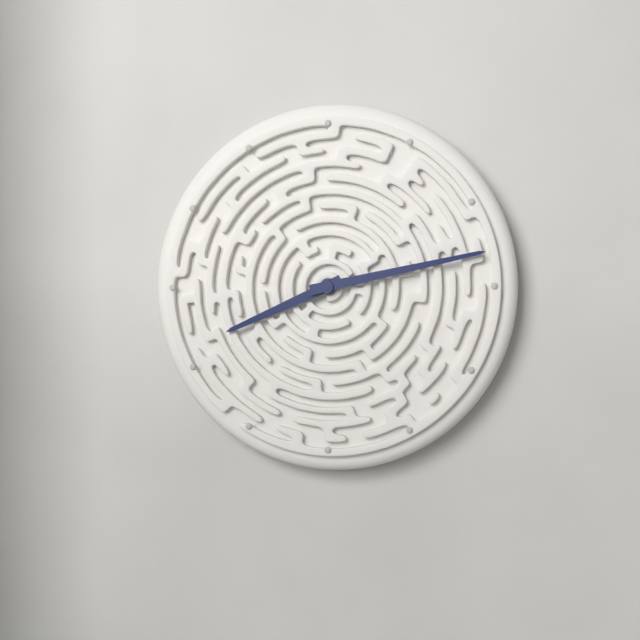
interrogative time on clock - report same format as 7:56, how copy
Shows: 8:13
